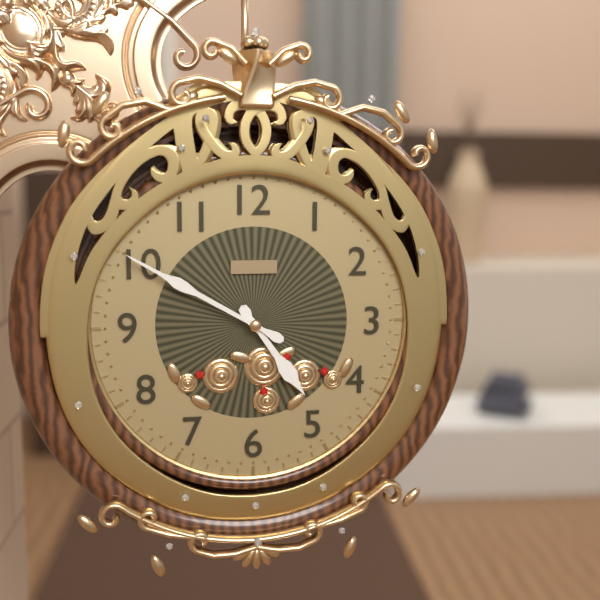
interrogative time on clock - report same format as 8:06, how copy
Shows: 4:50
